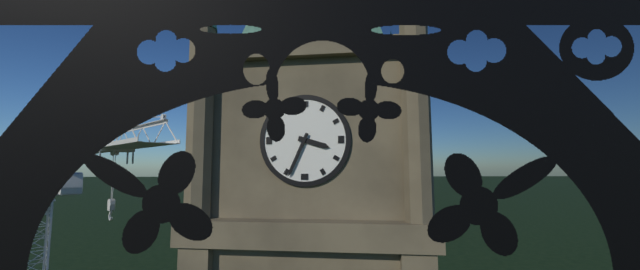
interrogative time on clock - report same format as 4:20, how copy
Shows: 3:34
